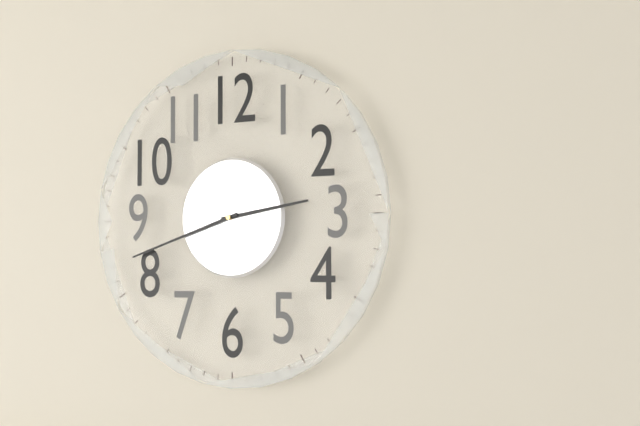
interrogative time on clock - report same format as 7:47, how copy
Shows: 2:42
